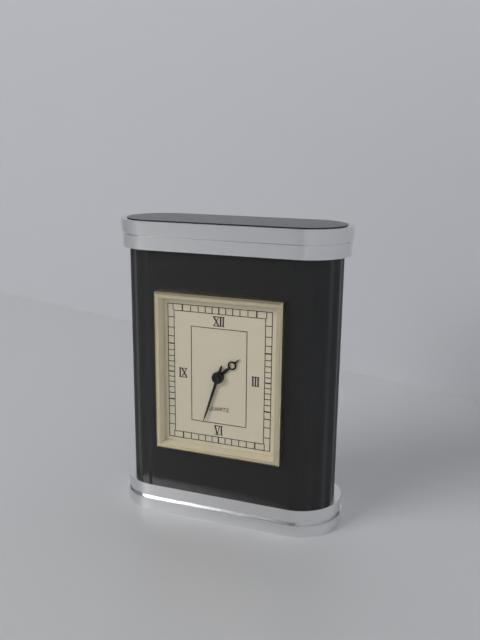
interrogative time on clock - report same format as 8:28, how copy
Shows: 1:33
